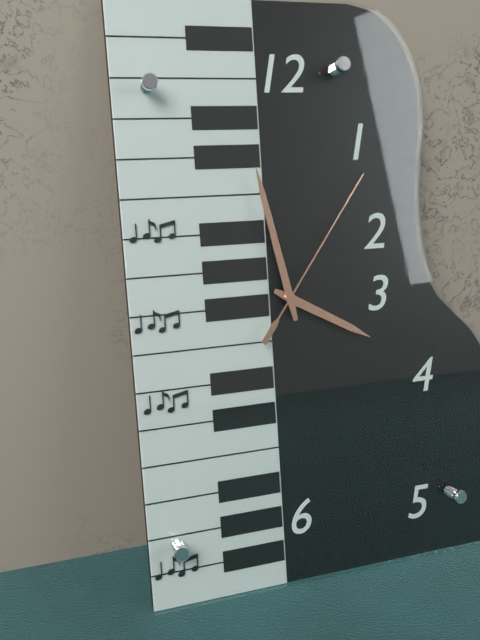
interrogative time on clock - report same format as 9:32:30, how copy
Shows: 3:58:06
